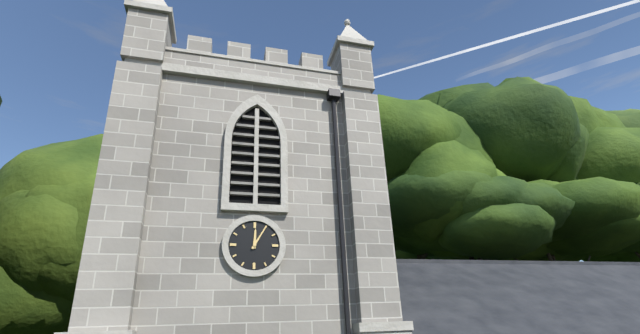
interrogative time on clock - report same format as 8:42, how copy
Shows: 12:05
